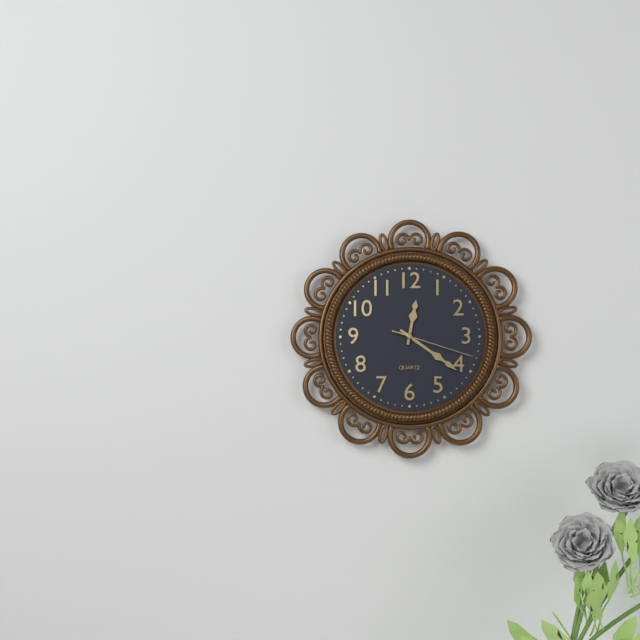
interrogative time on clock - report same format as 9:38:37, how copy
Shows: 12:21:18
